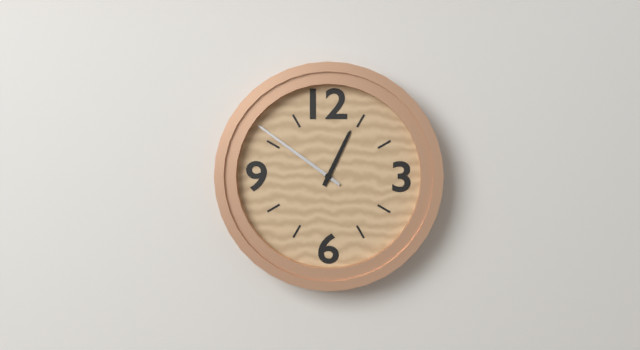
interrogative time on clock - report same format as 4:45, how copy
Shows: 12:51
